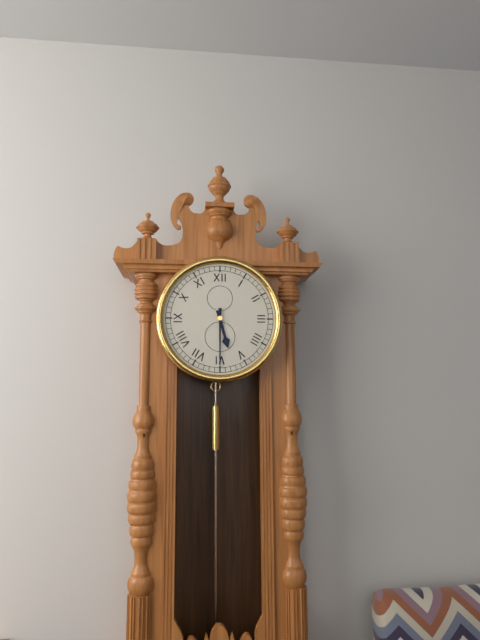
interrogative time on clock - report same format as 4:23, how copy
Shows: 5:30
